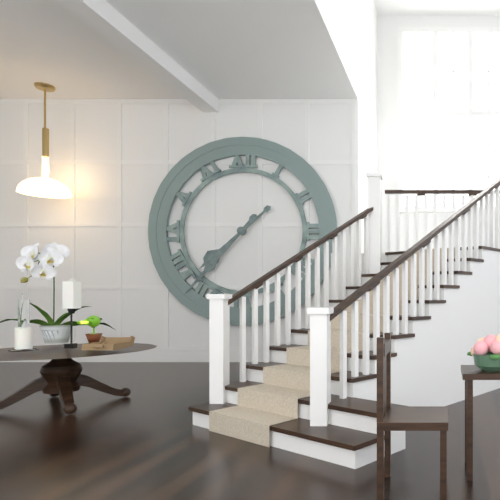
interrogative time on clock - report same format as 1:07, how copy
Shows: 7:37
